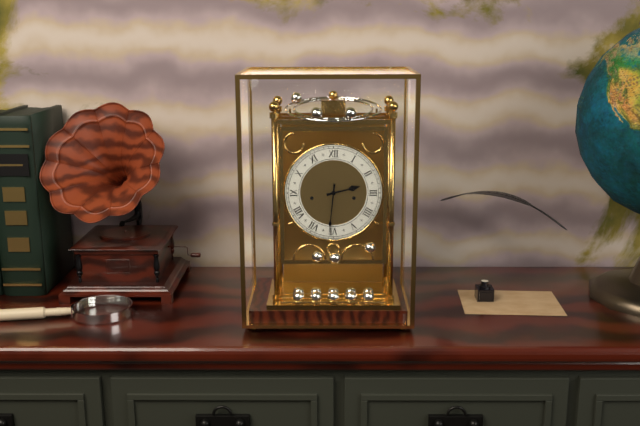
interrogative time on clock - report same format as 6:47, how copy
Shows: 2:31
